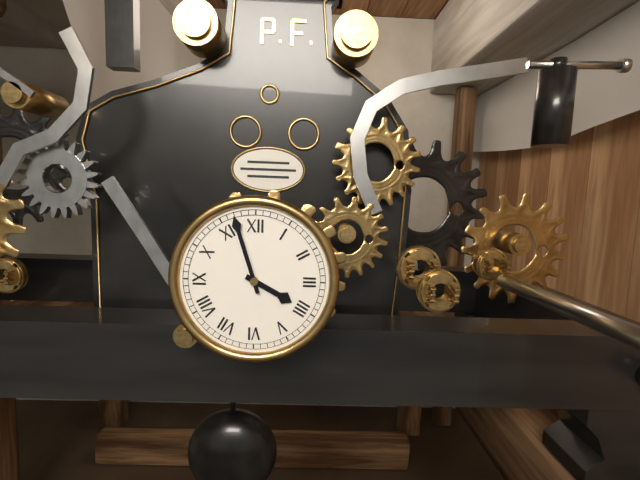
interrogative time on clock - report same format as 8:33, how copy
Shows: 3:57
